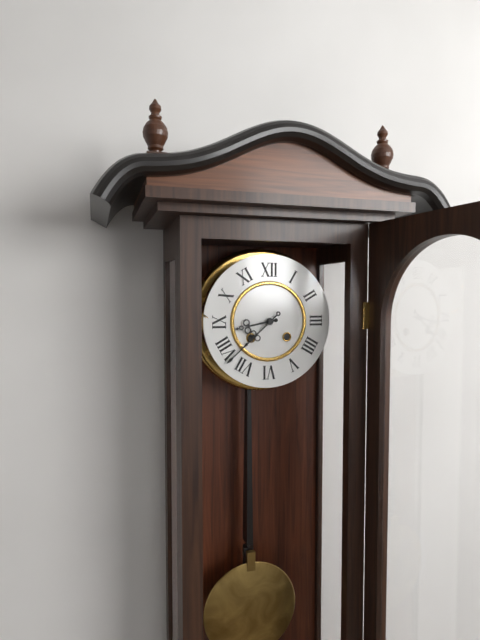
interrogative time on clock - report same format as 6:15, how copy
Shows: 8:38
